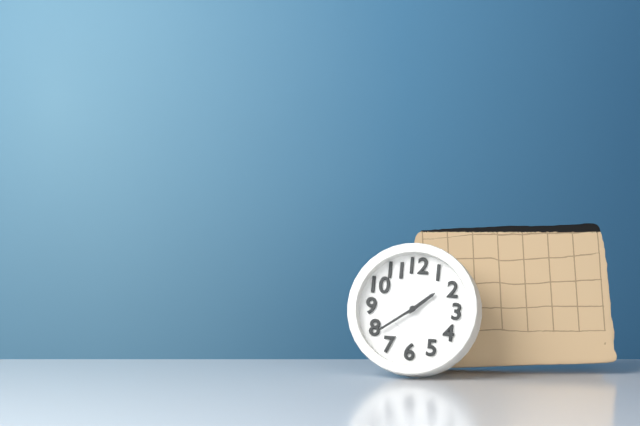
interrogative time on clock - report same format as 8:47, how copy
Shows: 1:39
